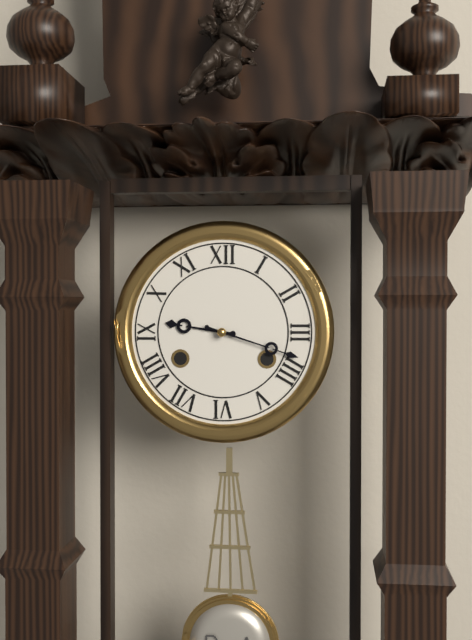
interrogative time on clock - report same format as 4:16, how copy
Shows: 9:18
